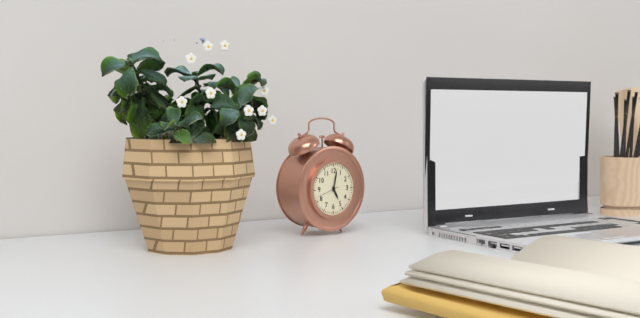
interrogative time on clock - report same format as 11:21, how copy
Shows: 5:02
